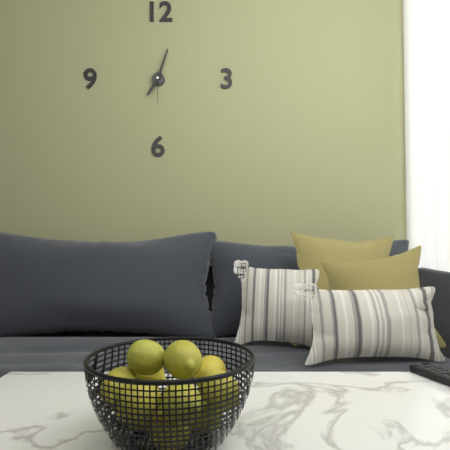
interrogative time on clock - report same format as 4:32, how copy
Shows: 7:03
